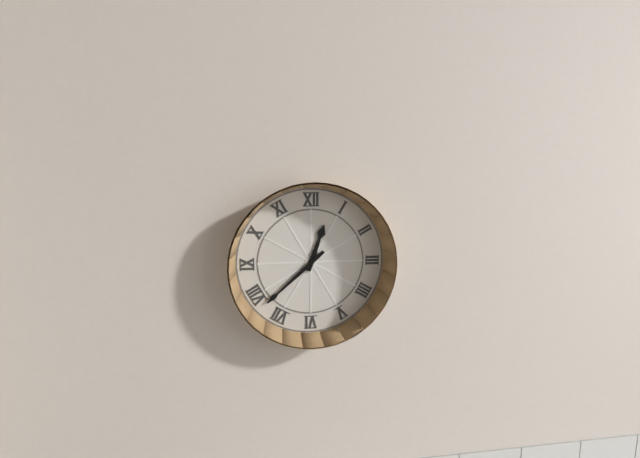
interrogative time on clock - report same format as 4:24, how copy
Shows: 12:38
